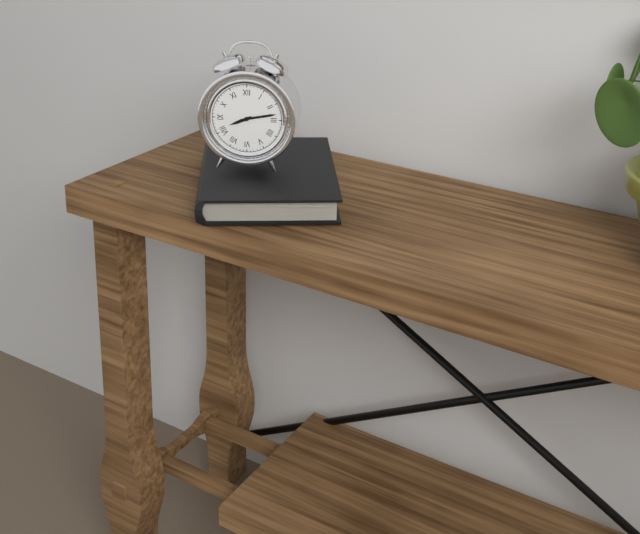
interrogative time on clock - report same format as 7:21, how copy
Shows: 8:13
